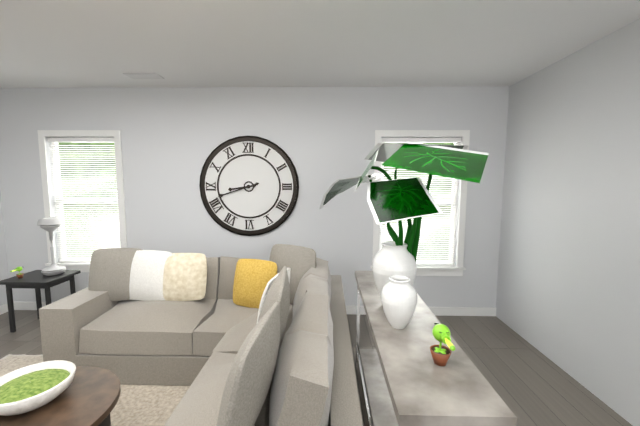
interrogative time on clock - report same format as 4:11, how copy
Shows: 8:42
